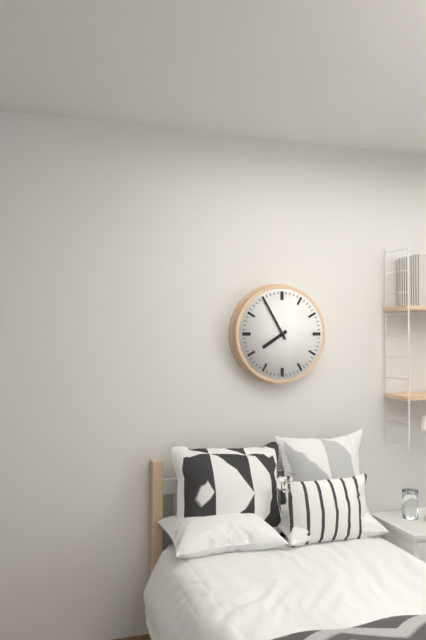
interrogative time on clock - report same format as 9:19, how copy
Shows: 7:55
